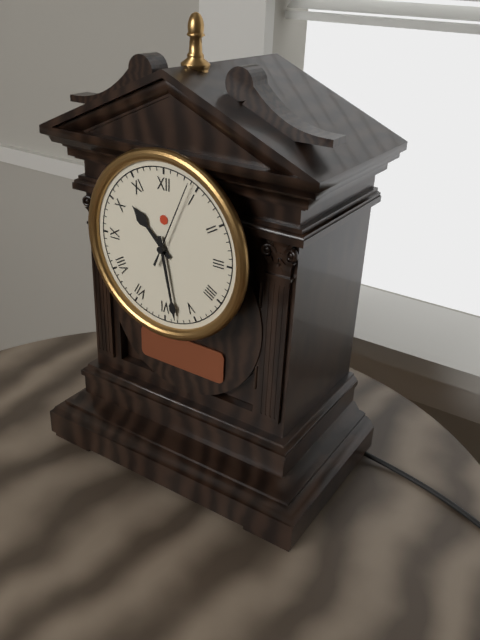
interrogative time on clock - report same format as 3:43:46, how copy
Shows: 10:28:04
